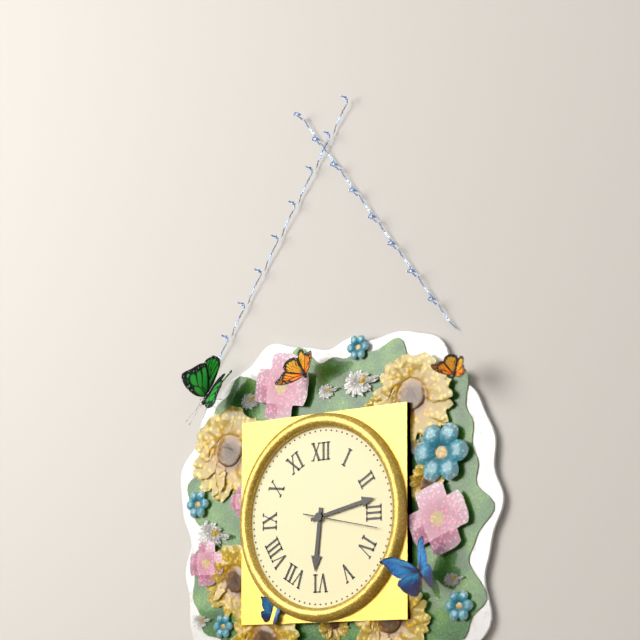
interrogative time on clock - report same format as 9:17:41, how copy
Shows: 6:13:17
